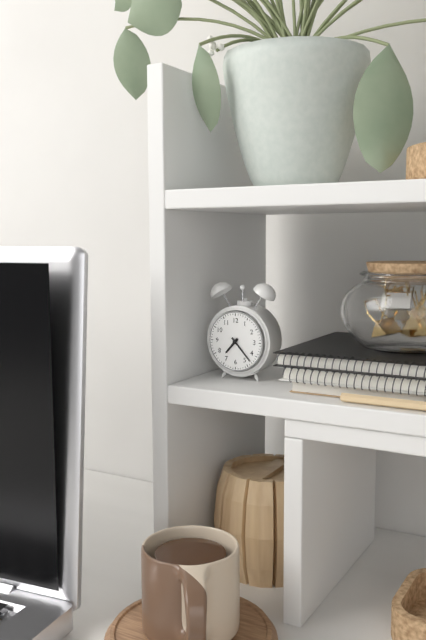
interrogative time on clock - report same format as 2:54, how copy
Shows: 7:23
